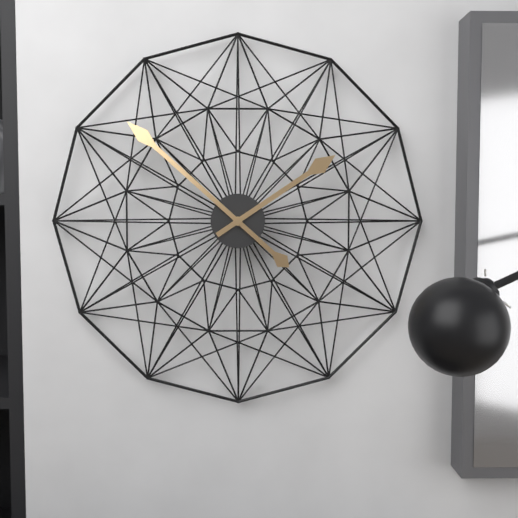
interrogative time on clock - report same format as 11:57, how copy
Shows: 1:52
